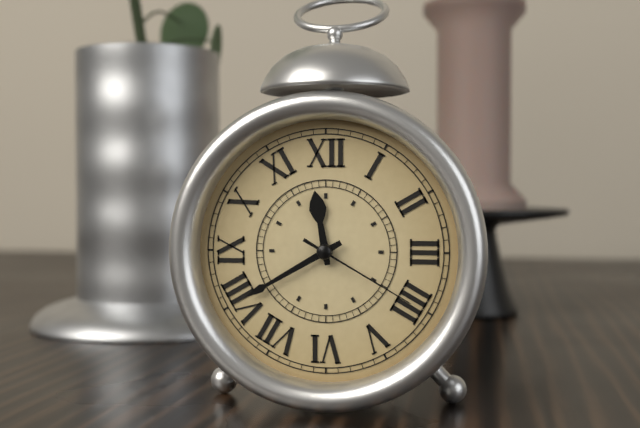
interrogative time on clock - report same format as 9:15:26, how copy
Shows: 11:40:20
